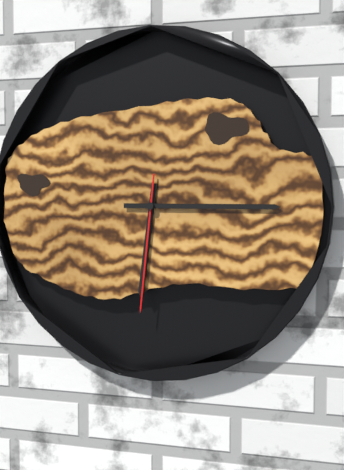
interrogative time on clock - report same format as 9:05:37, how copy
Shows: 6:15:31
